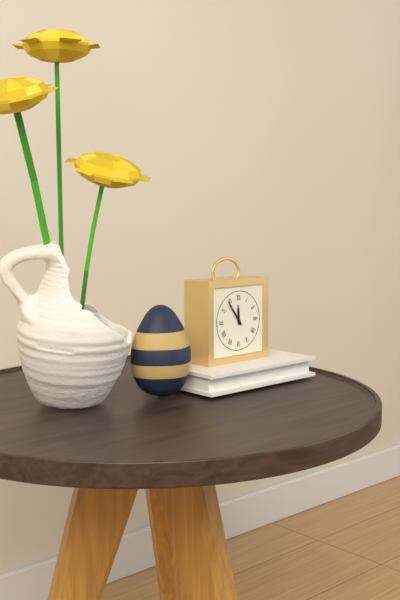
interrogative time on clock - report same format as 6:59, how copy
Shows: 11:54
